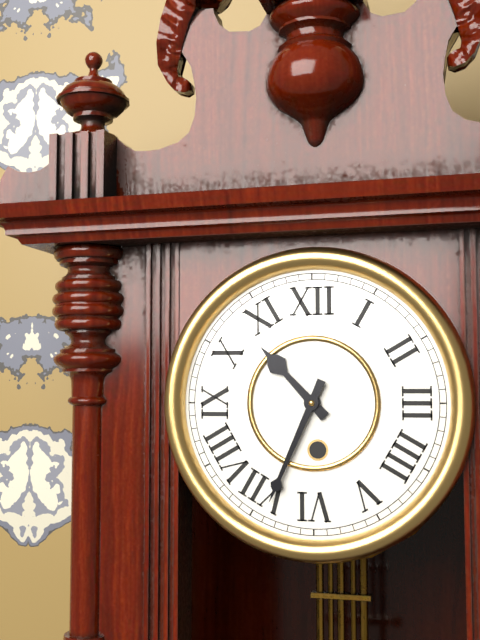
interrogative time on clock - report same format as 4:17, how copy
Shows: 10:34
